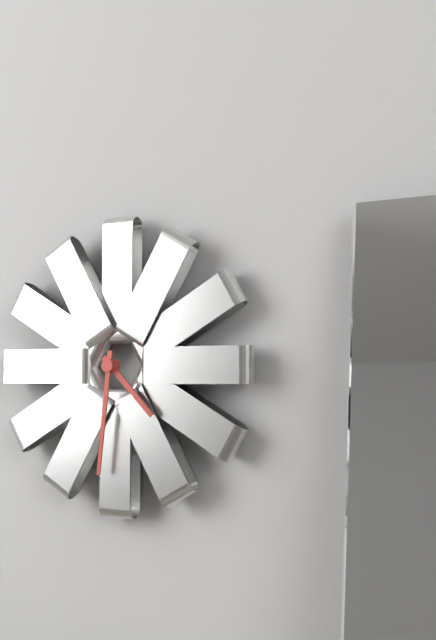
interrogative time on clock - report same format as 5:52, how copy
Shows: 4:31
